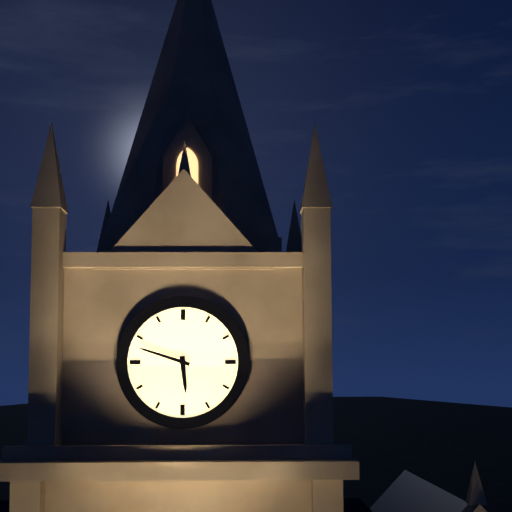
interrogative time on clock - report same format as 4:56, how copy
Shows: 5:48
